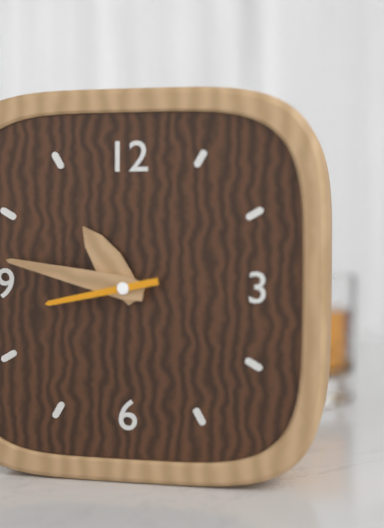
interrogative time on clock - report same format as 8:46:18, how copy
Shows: 10:47:43
